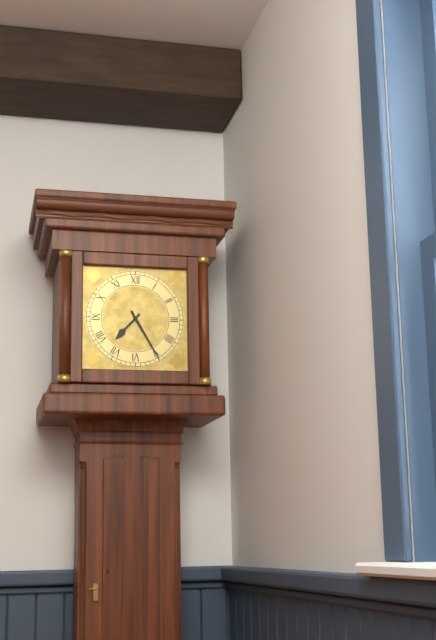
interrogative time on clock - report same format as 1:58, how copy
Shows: 7:25
